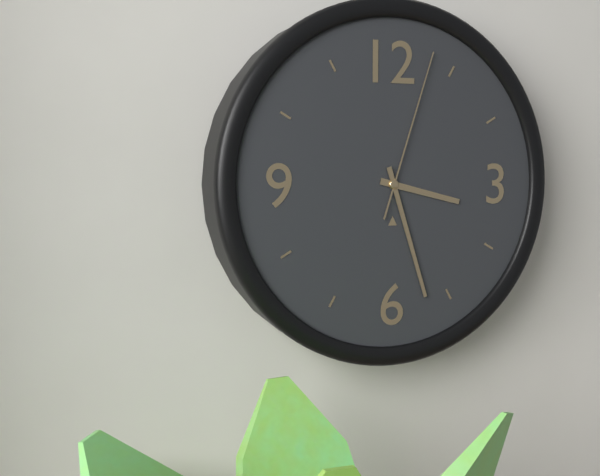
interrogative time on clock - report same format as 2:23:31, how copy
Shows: 3:27:03
